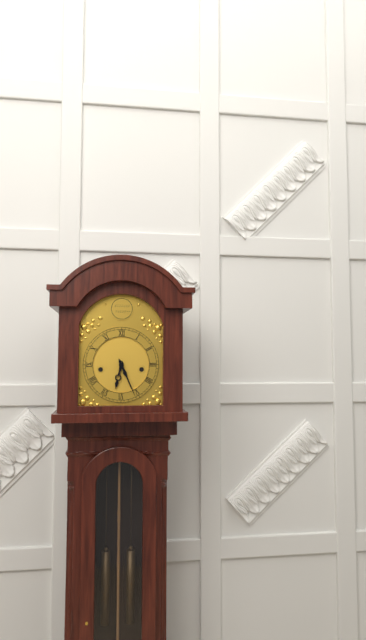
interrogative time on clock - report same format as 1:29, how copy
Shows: 6:26
